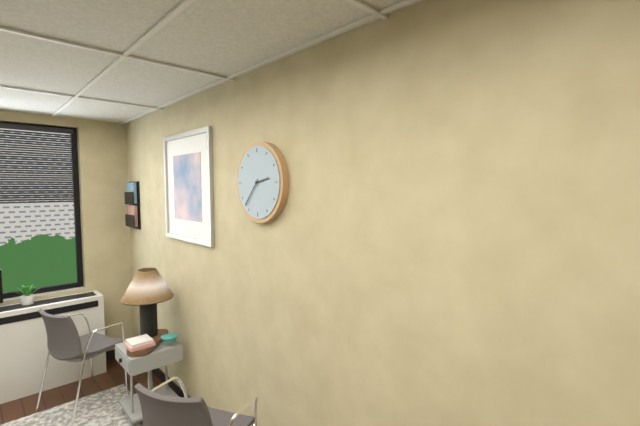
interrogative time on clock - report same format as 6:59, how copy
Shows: 2:37
